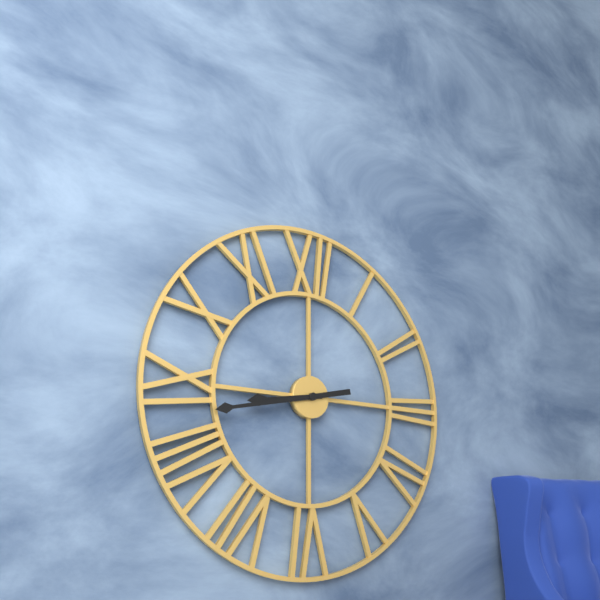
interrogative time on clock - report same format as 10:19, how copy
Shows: 8:43
